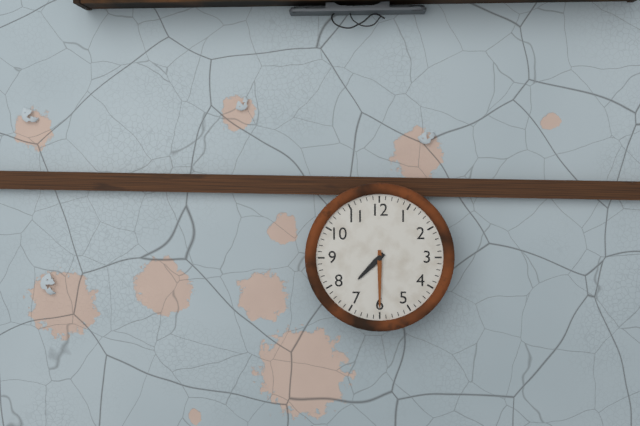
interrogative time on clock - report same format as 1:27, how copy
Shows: 7:30
